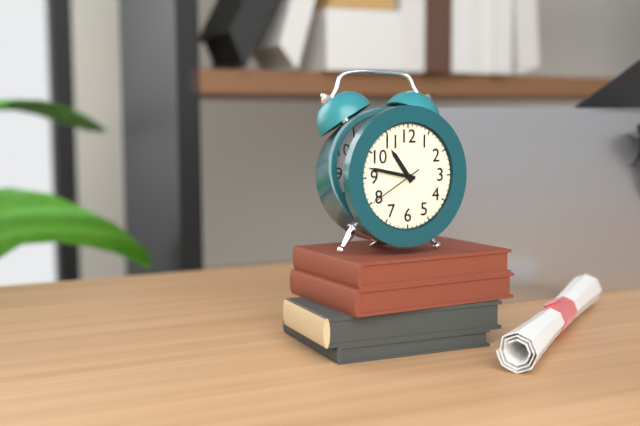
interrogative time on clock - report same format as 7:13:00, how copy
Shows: 10:47:40
